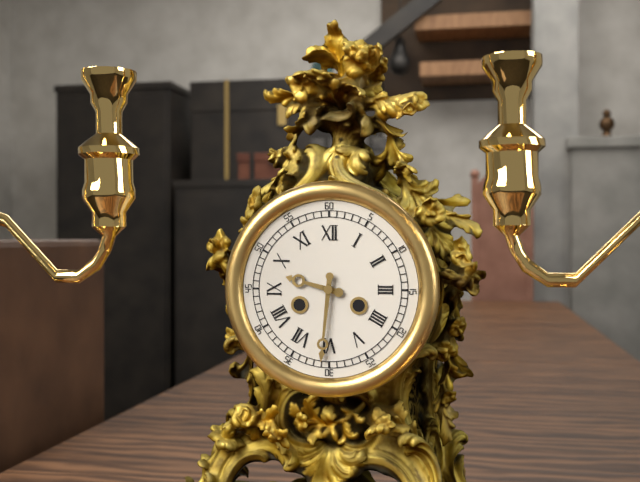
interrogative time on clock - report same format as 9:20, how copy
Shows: 9:31
